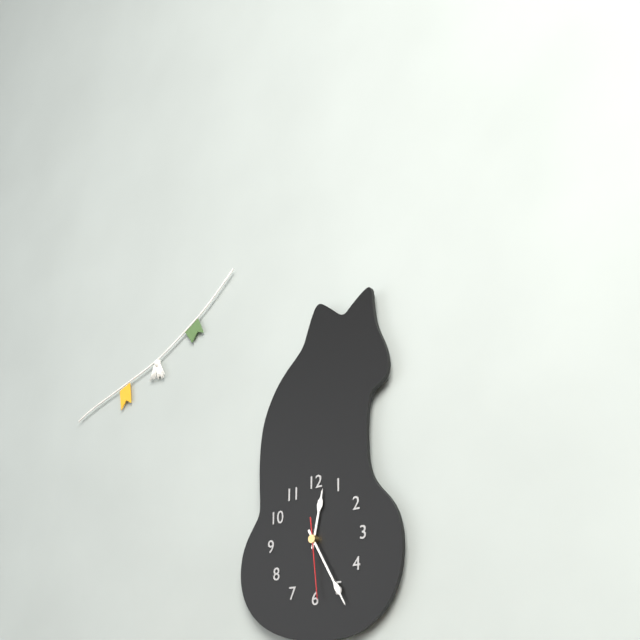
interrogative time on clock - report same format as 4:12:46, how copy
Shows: 12:25:29
